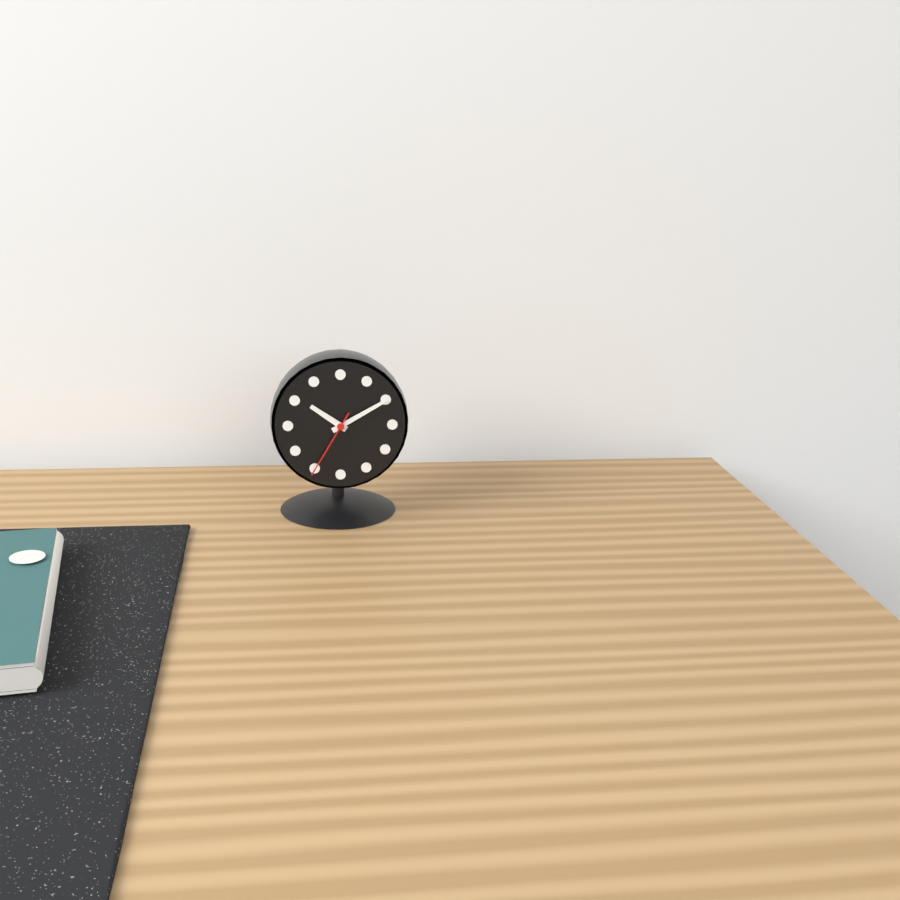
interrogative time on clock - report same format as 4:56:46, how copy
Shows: 10:10:35
